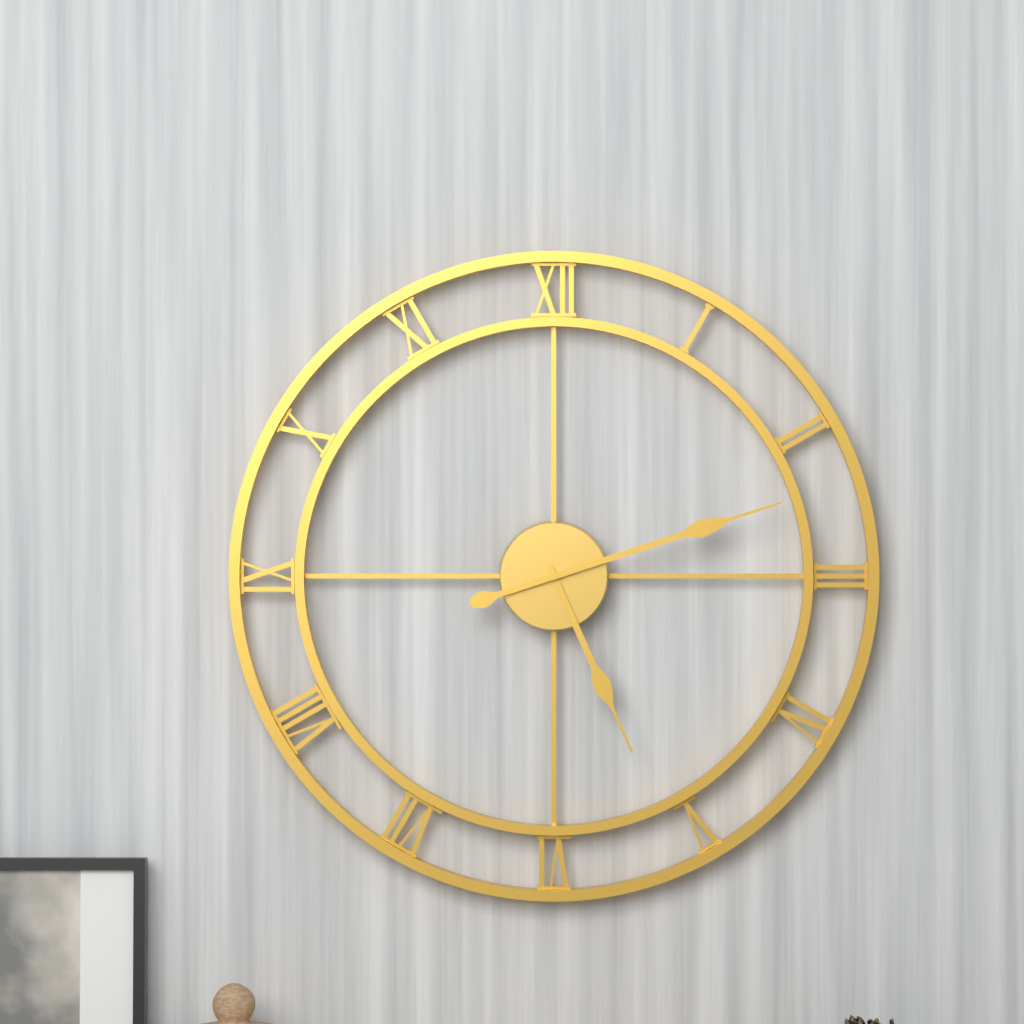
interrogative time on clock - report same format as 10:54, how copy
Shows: 5:12
